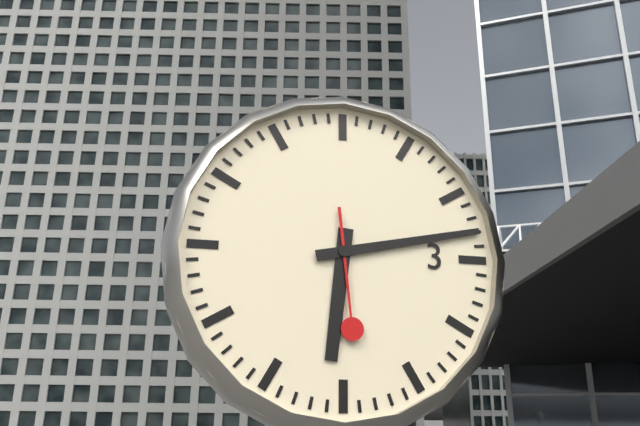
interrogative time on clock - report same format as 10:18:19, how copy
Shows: 6:13:29
